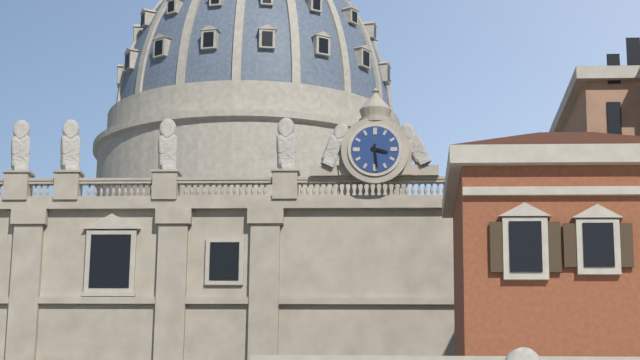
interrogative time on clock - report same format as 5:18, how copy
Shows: 3:29
